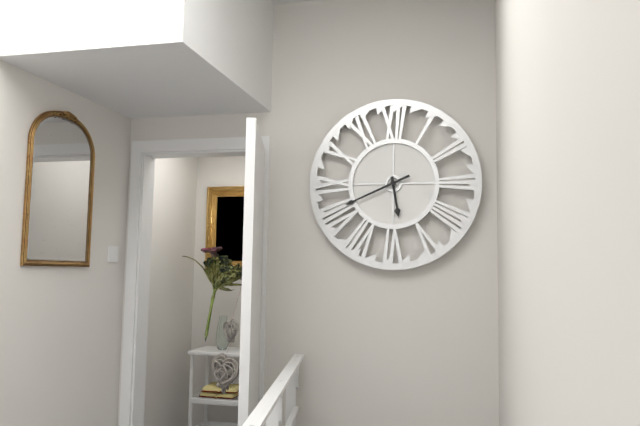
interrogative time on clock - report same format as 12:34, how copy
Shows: 5:41
